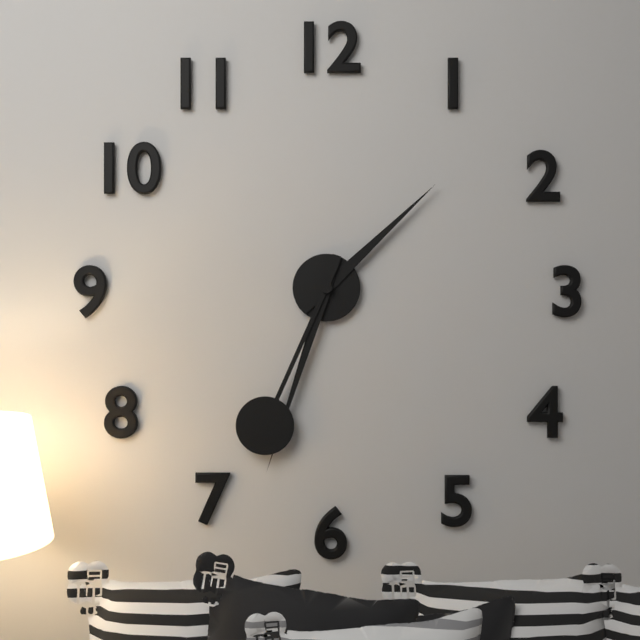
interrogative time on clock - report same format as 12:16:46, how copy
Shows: 1:33:34
